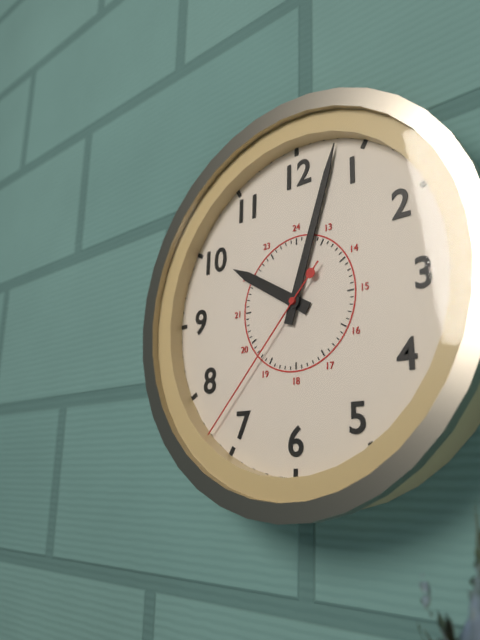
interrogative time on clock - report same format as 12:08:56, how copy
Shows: 10:03:37
